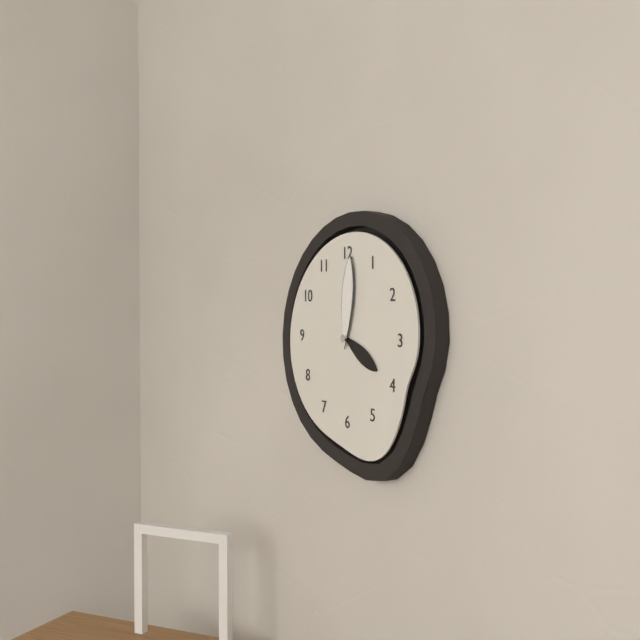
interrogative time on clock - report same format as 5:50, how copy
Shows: 4:01
